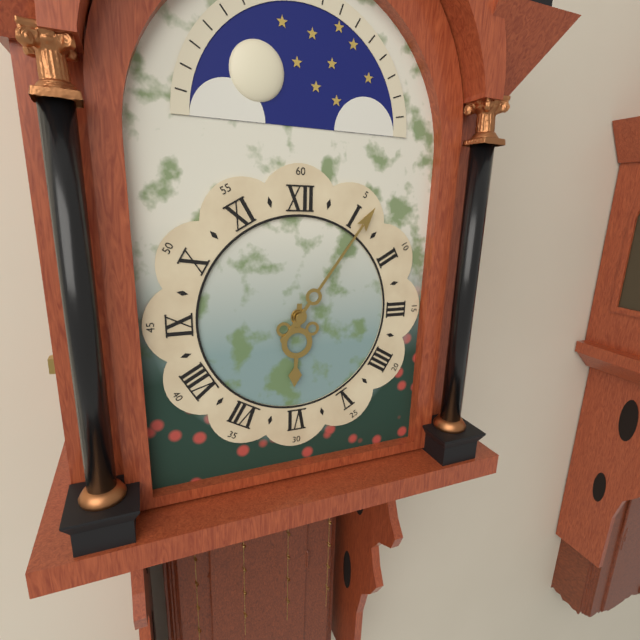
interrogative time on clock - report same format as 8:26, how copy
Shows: 6:06
